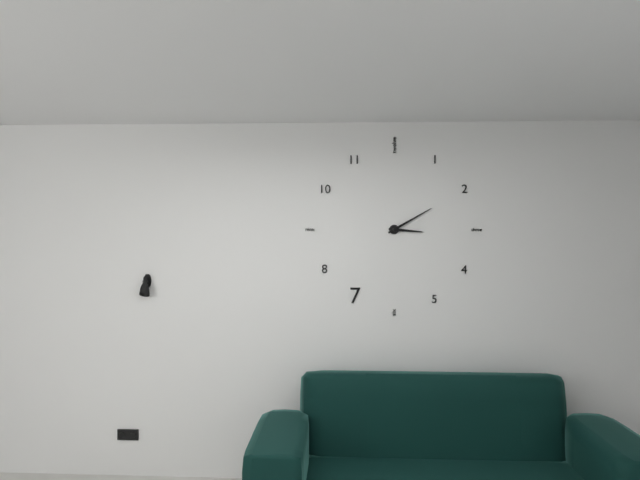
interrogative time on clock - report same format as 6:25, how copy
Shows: 3:10
